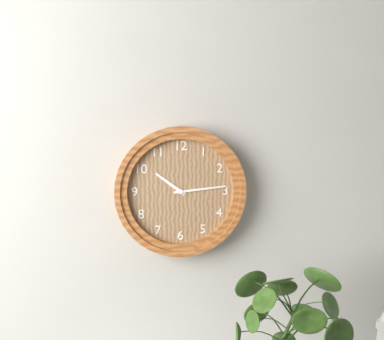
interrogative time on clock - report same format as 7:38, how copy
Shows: 10:14
